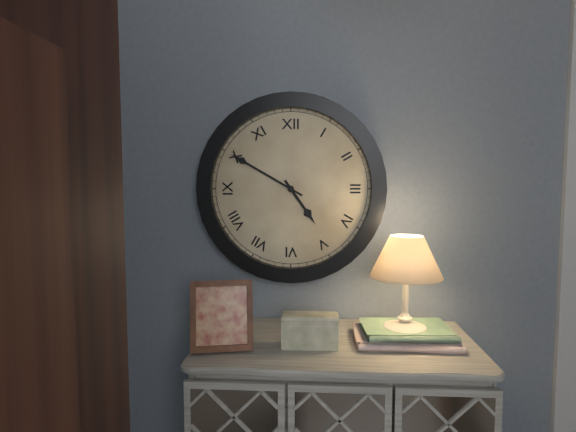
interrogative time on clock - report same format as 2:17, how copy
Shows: 4:50
